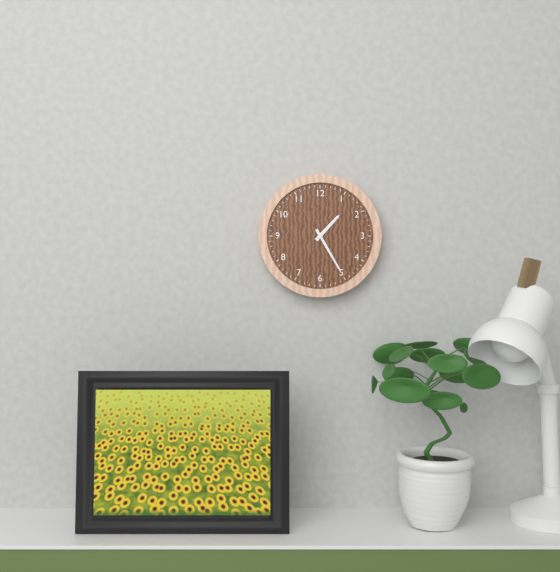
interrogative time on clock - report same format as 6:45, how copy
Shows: 1:25
